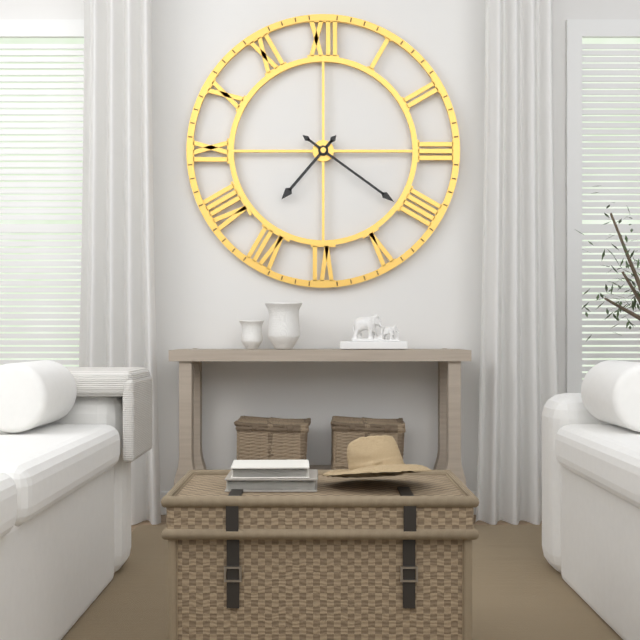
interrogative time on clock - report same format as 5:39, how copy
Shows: 7:21
